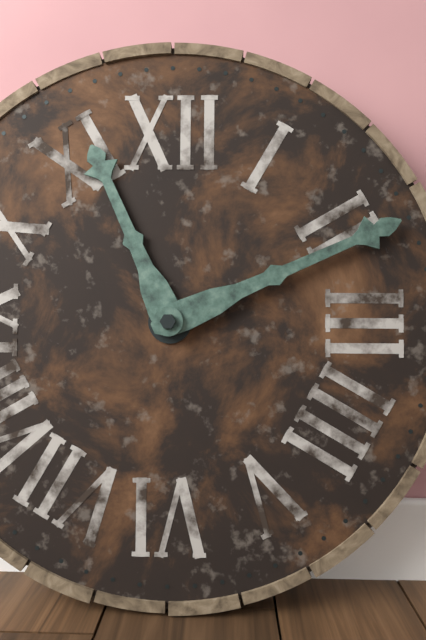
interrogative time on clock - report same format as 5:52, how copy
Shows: 11:11
